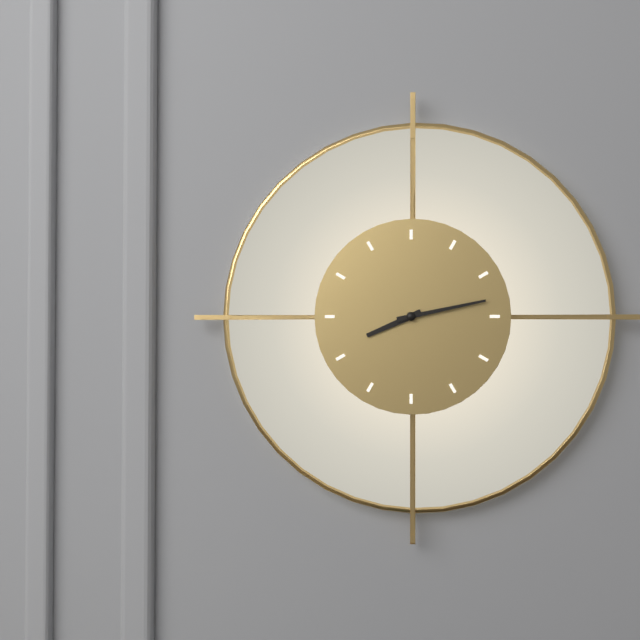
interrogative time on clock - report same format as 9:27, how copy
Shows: 8:13
